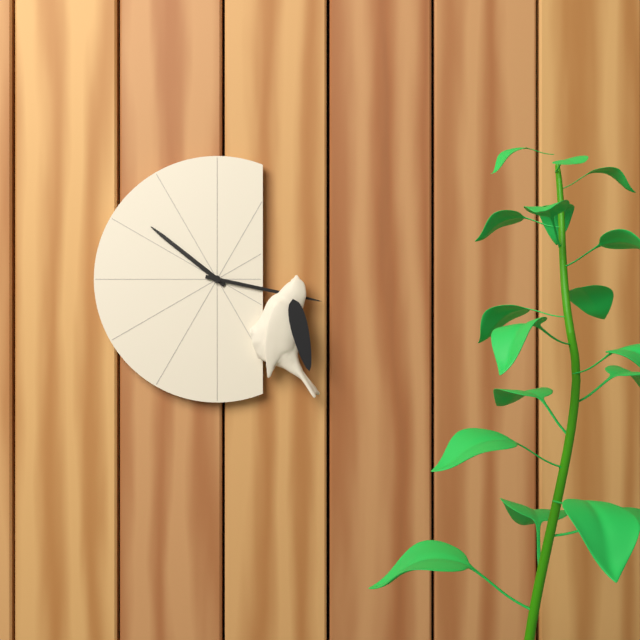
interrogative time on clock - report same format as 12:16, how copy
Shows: 10:17
